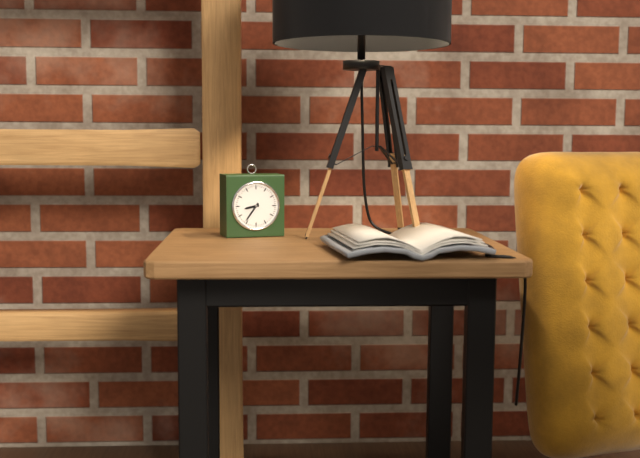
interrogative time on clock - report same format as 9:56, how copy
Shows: 8:36
